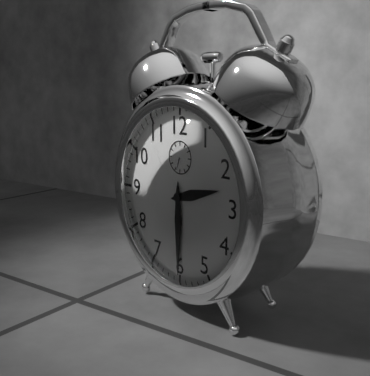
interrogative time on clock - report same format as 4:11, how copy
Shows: 2:30
